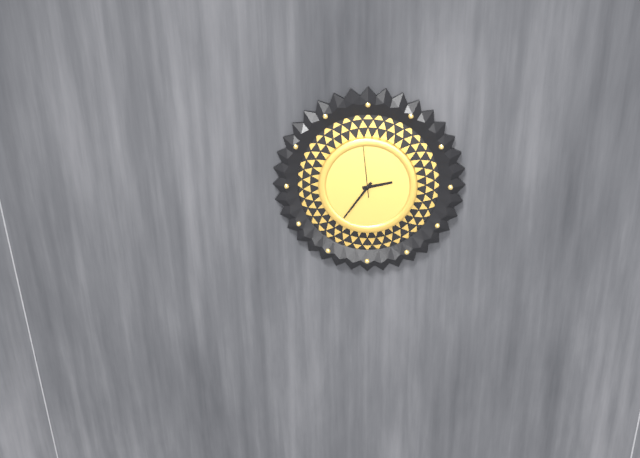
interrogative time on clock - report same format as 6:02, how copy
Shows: 2:36
